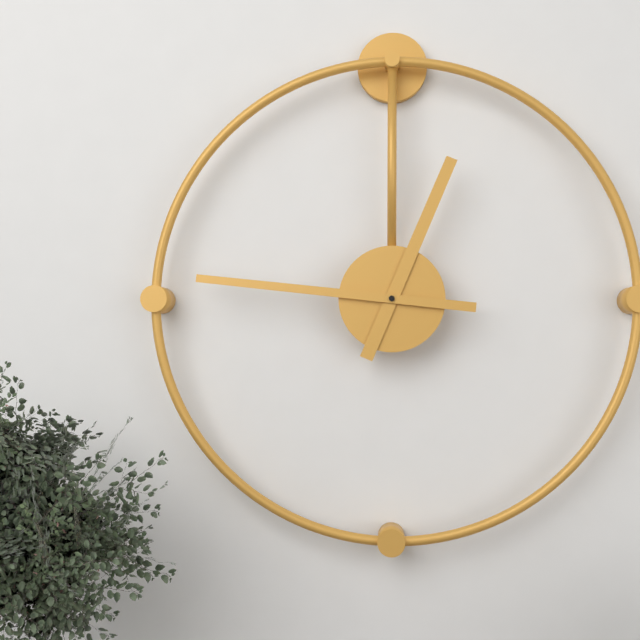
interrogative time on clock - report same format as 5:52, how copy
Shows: 12:46
